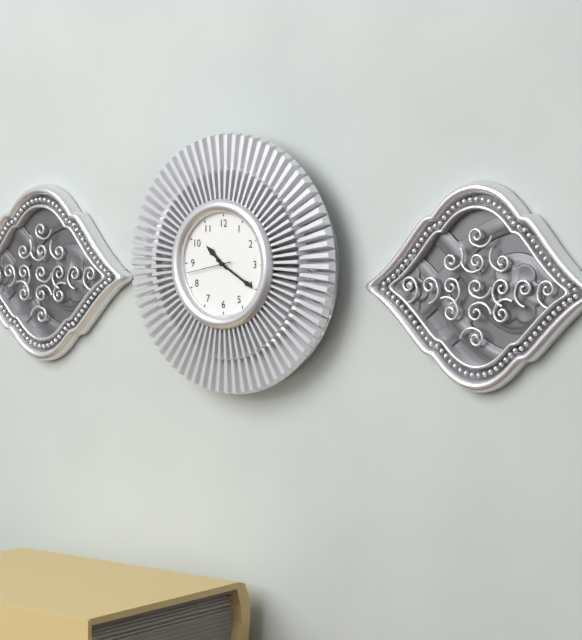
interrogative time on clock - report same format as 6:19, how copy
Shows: 10:20
